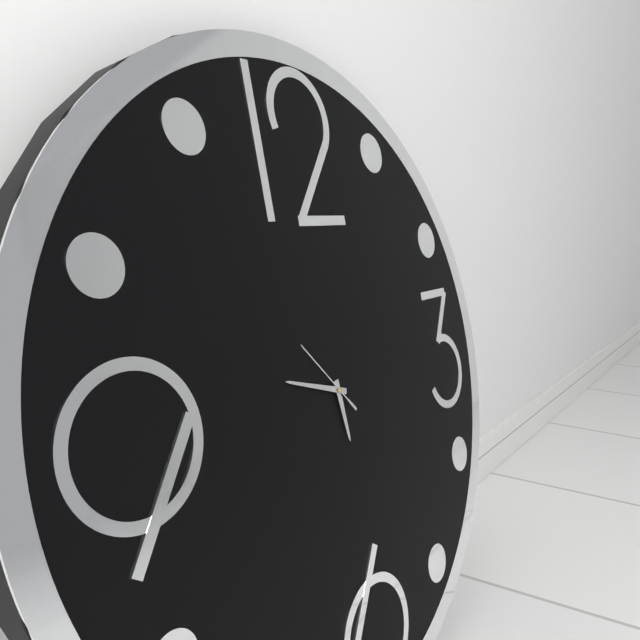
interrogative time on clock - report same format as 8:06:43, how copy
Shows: 5:48:53
